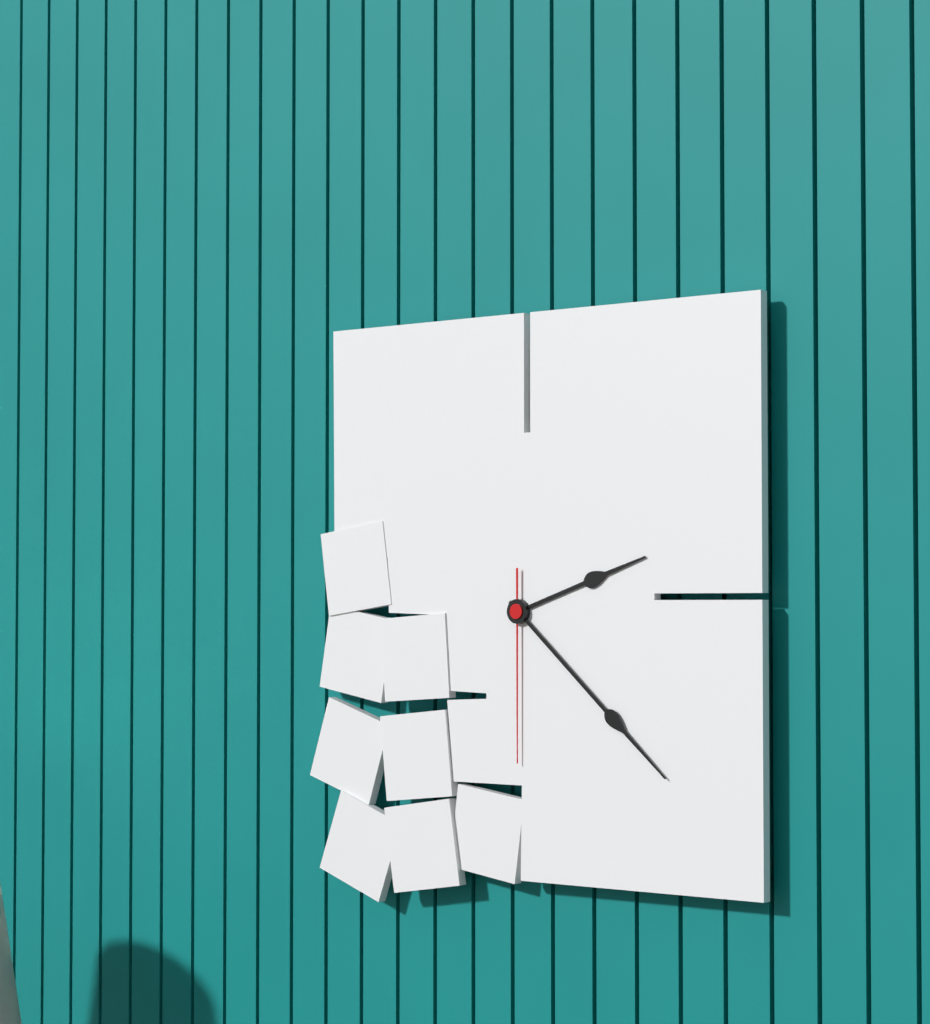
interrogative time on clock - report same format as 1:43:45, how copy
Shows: 2:22:30
